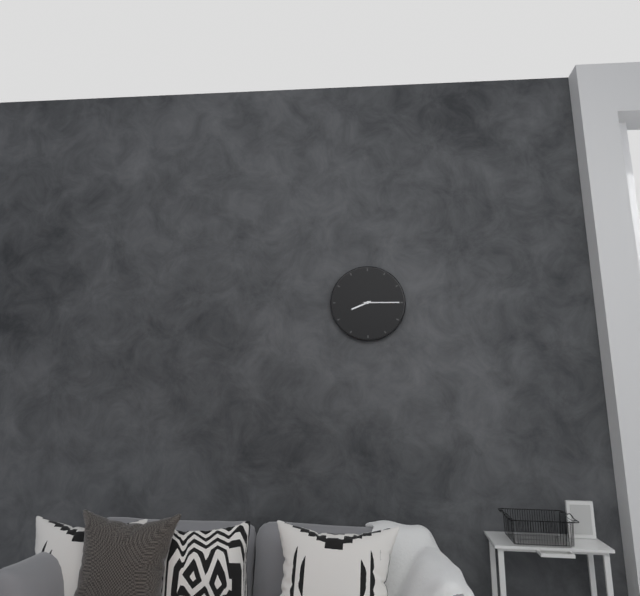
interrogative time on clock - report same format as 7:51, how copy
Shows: 8:15
